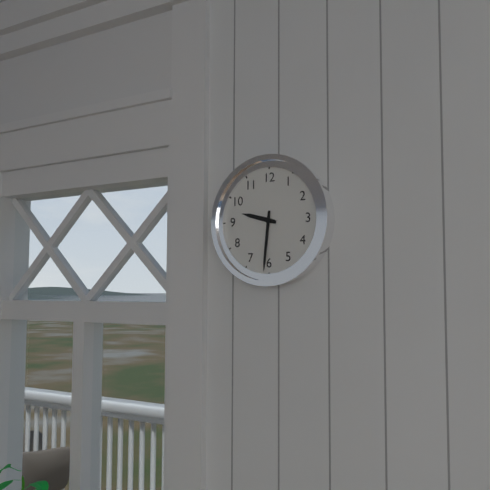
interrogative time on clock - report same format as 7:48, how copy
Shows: 9:31
